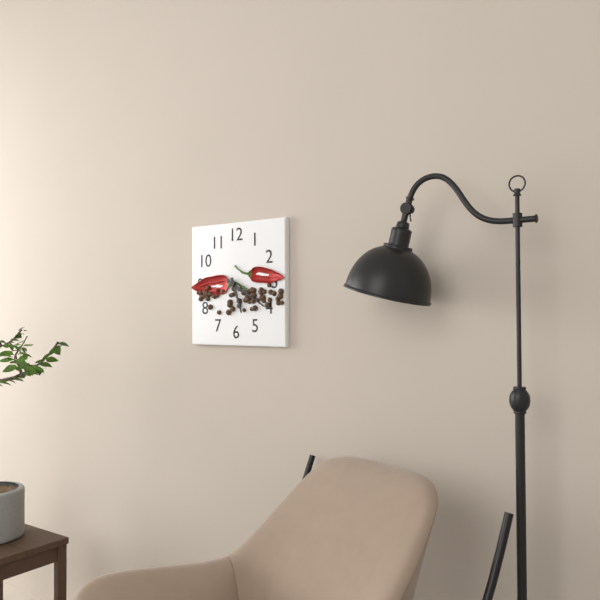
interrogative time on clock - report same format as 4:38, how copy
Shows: 5:20
